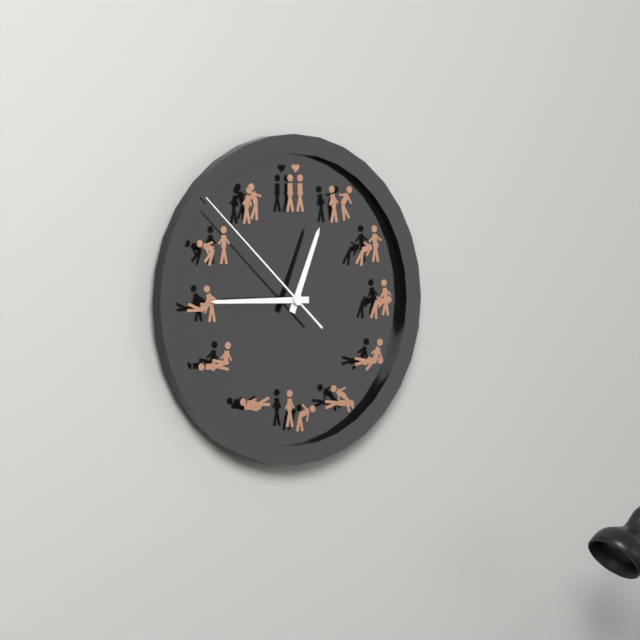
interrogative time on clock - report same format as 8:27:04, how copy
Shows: 12:45:52
